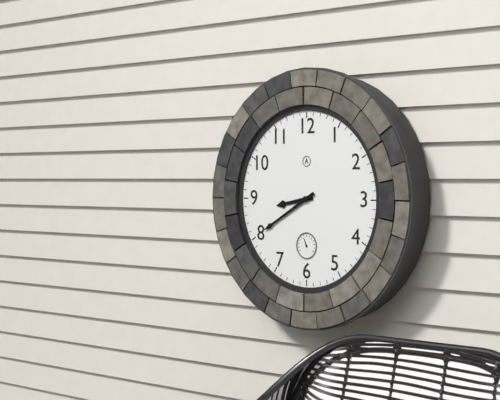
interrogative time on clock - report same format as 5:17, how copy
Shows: 8:40
